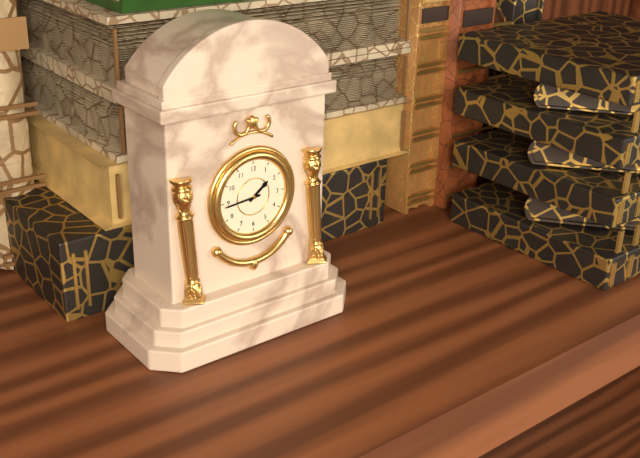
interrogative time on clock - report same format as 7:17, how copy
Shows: 1:44
